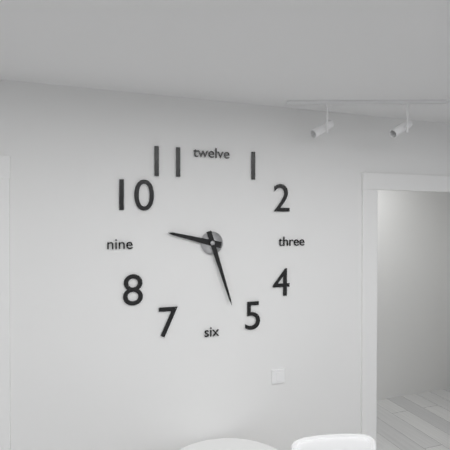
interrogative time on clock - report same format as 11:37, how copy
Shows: 9:27
